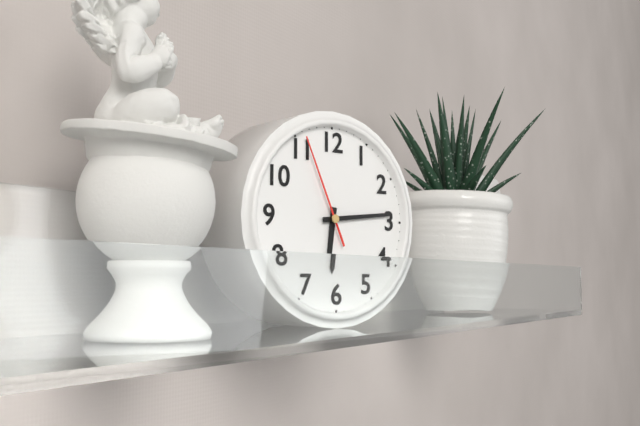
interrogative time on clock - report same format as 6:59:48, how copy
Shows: 6:14:56
